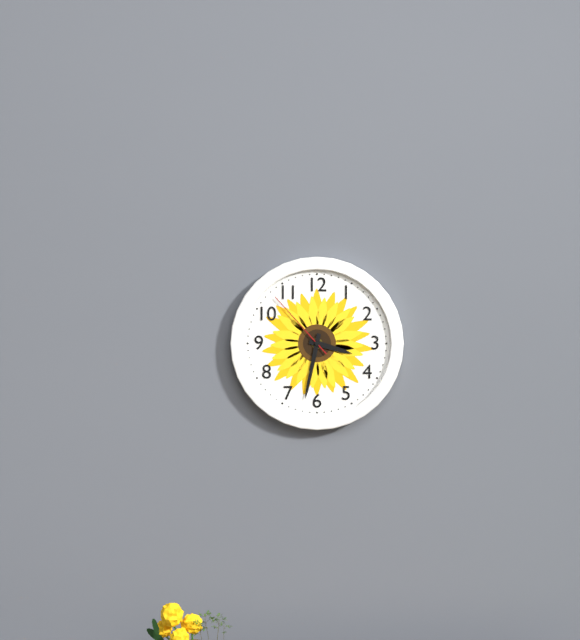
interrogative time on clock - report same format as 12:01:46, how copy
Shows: 3:32:53
